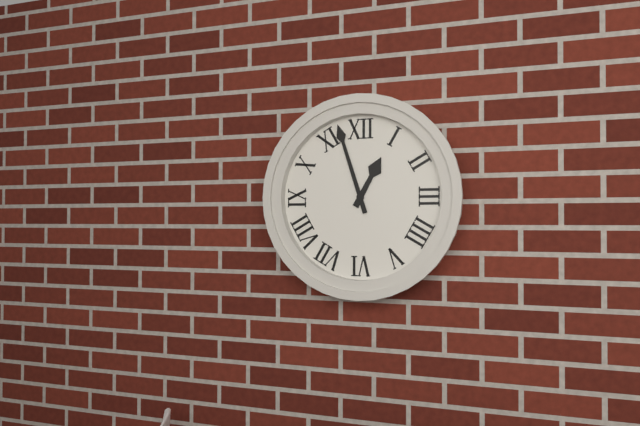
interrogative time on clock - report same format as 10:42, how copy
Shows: 12:57
